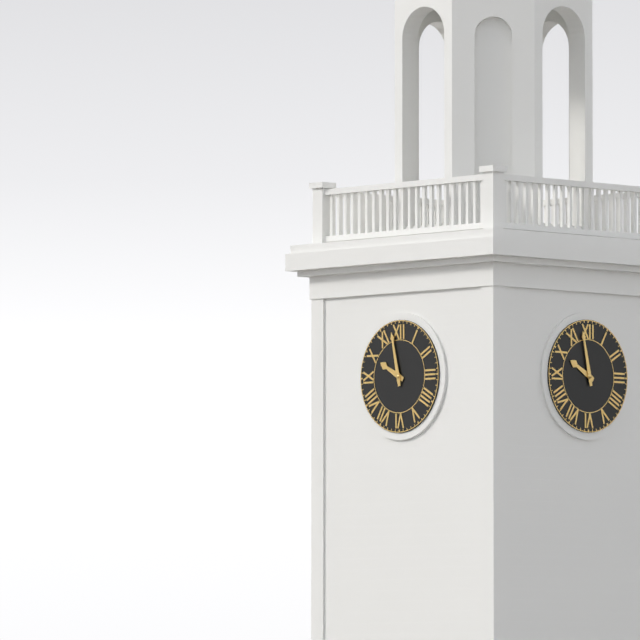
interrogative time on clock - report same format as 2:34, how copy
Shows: 9:58
